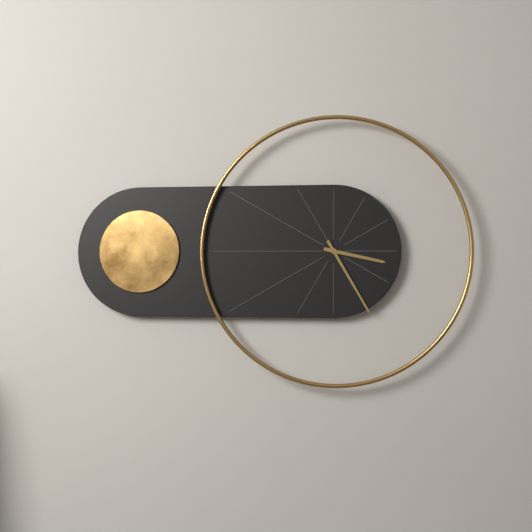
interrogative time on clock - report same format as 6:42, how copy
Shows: 3:25
